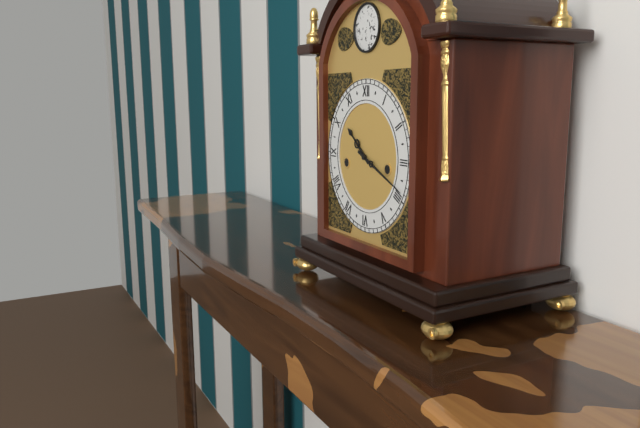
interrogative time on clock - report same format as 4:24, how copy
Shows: 10:19
